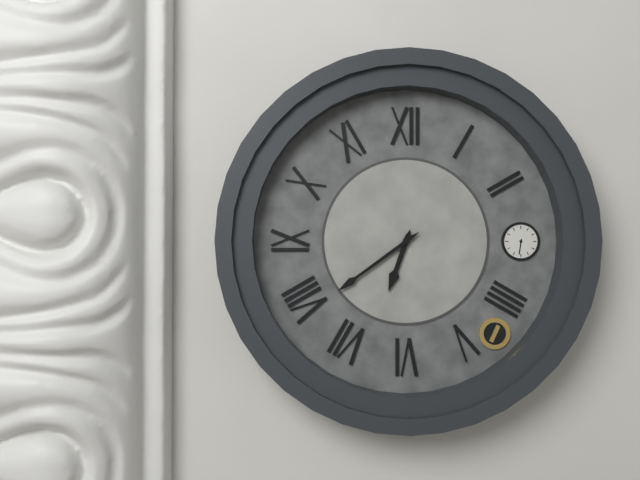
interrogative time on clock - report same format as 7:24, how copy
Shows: 6:39
